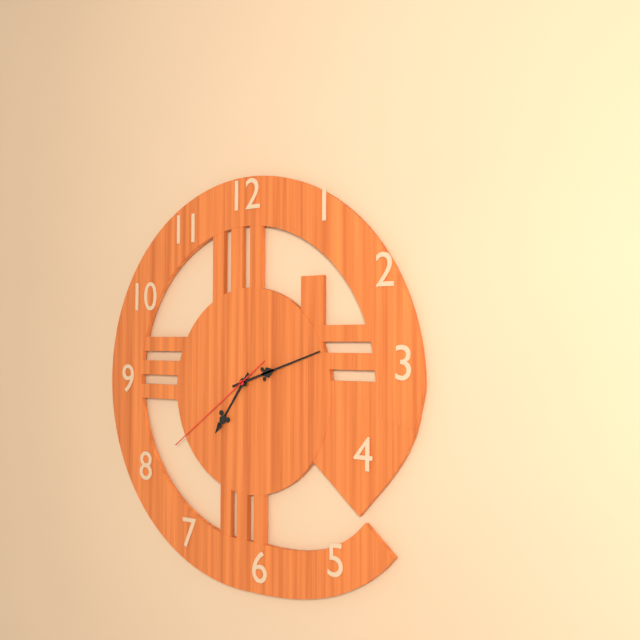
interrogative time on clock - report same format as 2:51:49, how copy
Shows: 7:12:39
